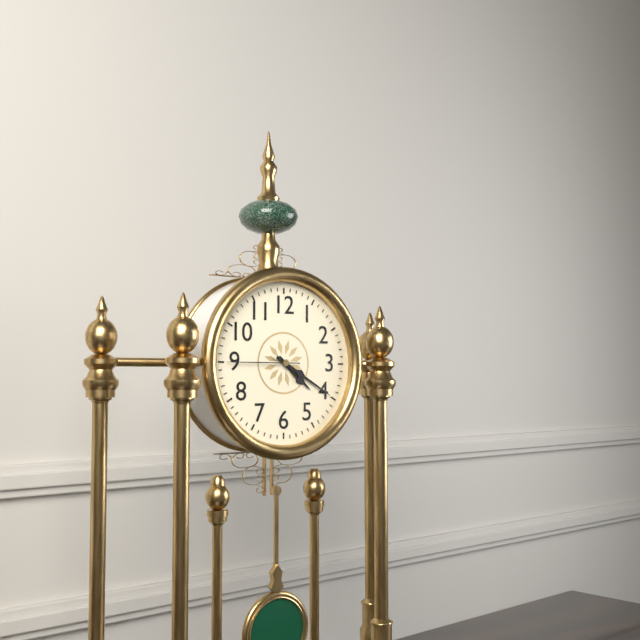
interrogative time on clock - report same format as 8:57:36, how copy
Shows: 4:20:45
